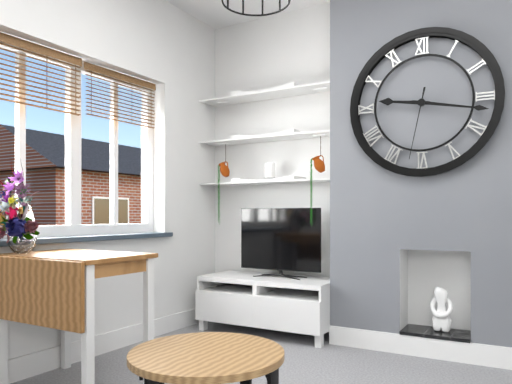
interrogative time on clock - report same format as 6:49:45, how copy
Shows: 9:17:32
